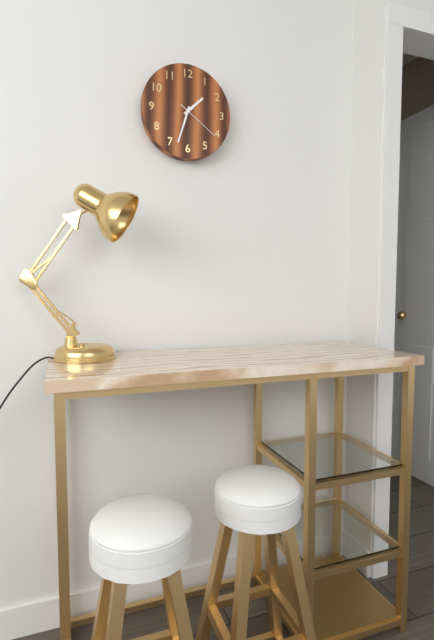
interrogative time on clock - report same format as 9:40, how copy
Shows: 1:33
